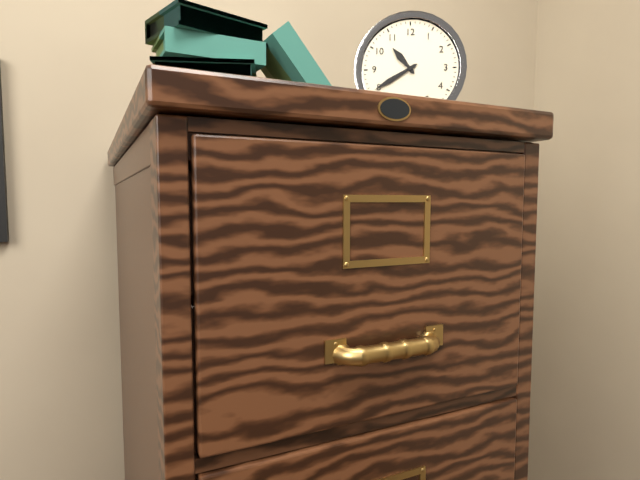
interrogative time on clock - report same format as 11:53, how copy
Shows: 10:40
